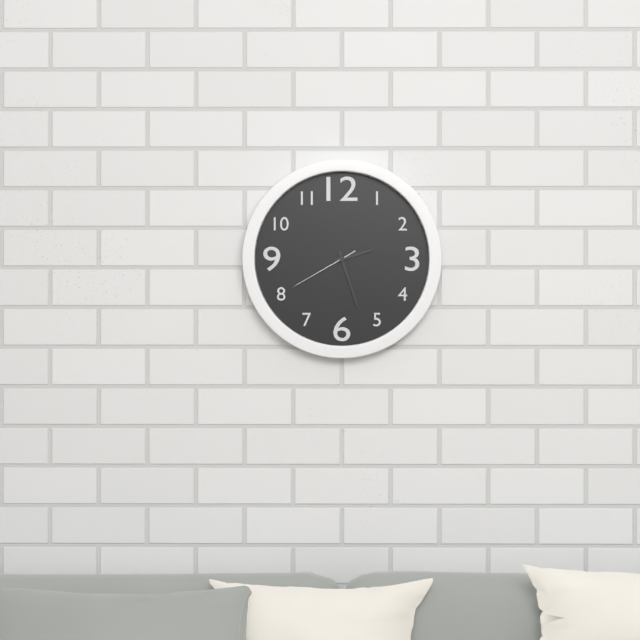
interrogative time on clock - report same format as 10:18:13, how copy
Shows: 2:27:40
